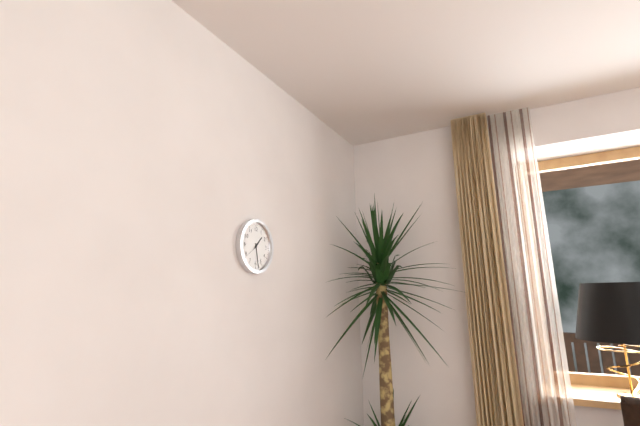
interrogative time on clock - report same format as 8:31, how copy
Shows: 1:28
